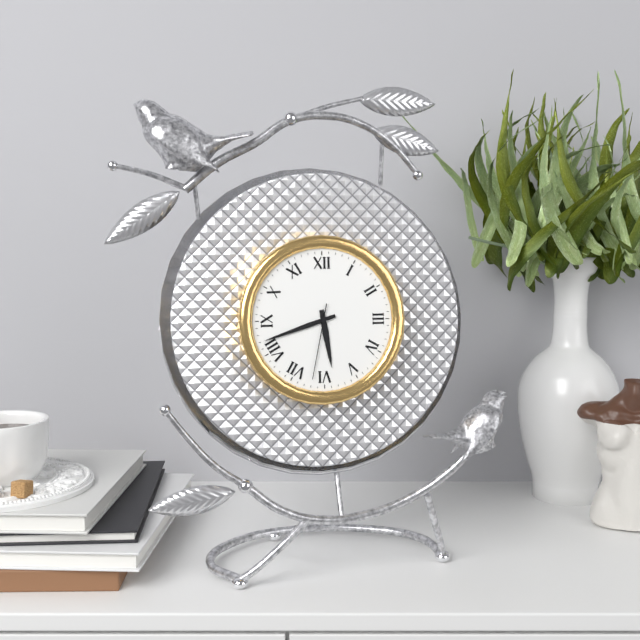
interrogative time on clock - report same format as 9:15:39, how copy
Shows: 5:42:32
